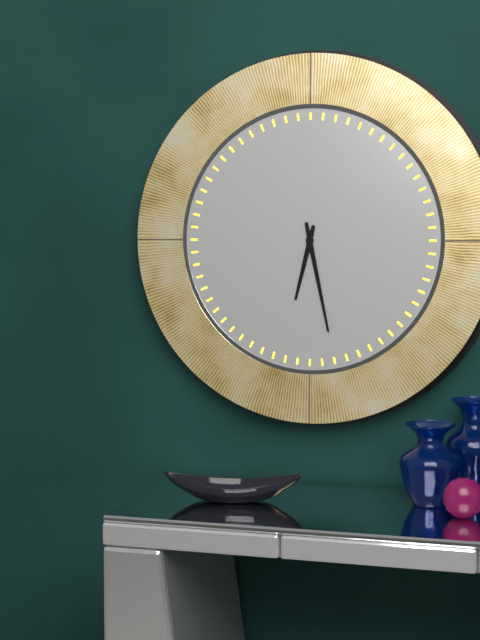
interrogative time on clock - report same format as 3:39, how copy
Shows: 6:28
